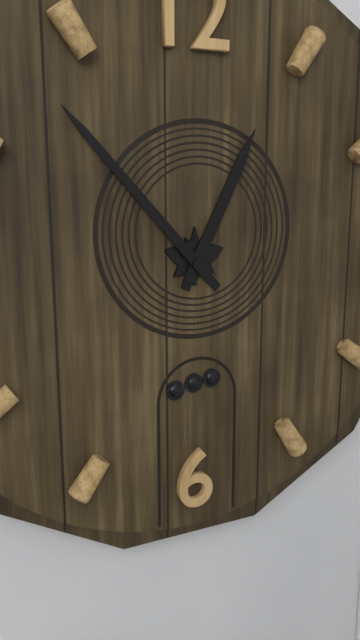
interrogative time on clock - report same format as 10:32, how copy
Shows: 12:53
